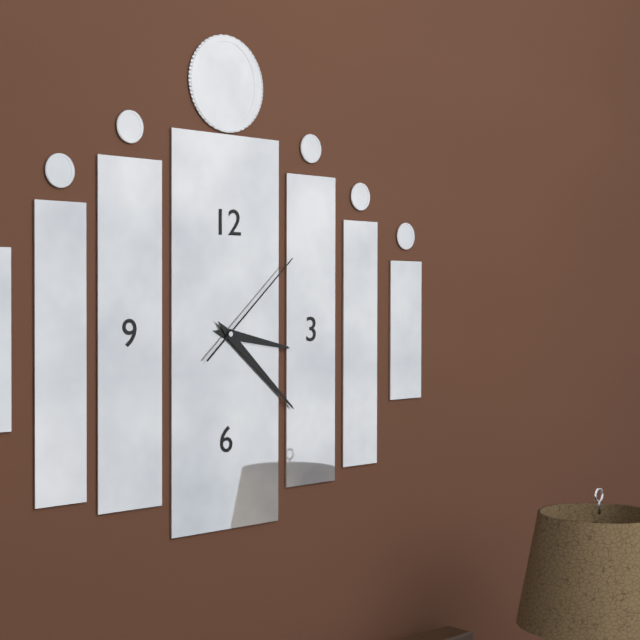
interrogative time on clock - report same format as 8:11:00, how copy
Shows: 3:22:08
